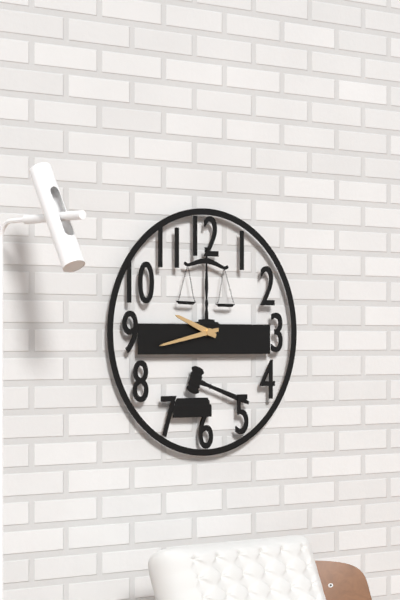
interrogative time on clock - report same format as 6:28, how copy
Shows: 9:43
